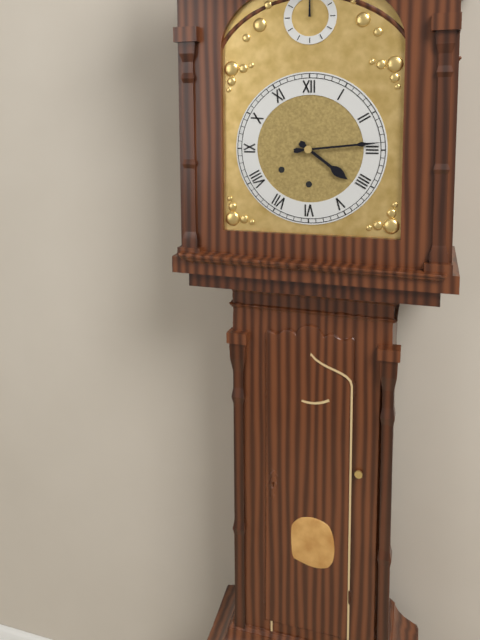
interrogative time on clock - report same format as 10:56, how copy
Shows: 4:14
